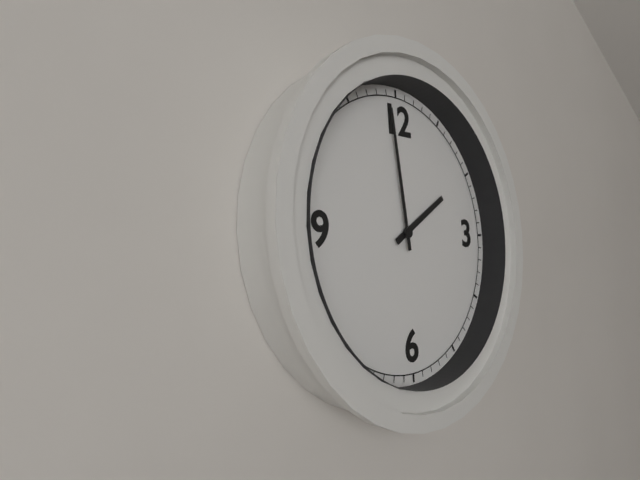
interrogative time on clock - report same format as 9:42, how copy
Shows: 1:59
